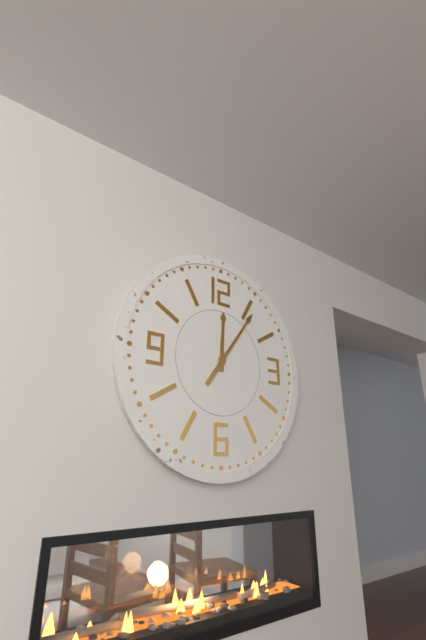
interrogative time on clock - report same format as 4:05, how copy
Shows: 12:06
